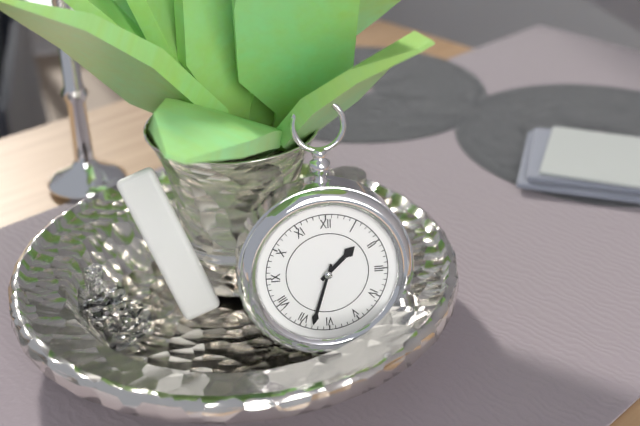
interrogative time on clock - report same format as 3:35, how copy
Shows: 1:33
